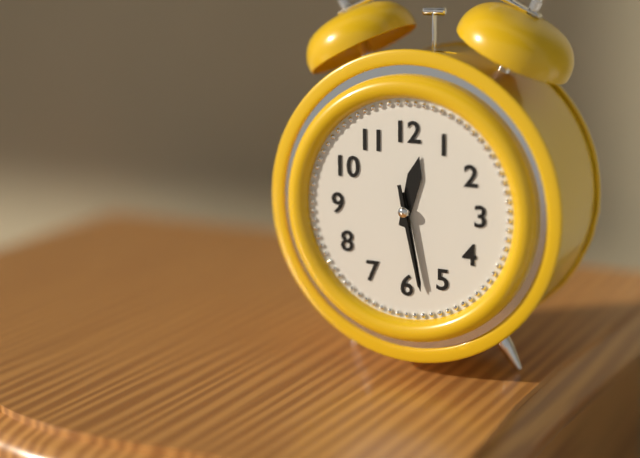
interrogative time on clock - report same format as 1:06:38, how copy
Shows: 12:28:28
